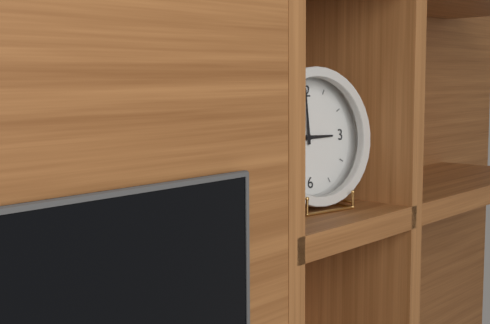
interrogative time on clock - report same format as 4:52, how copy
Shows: 3:00
